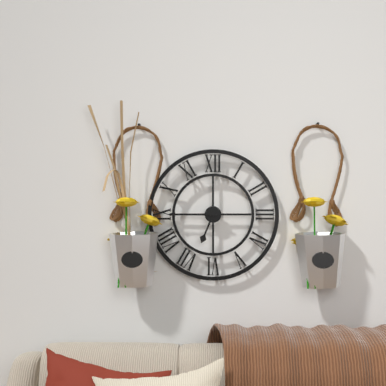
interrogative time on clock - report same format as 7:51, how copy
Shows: 6:45
